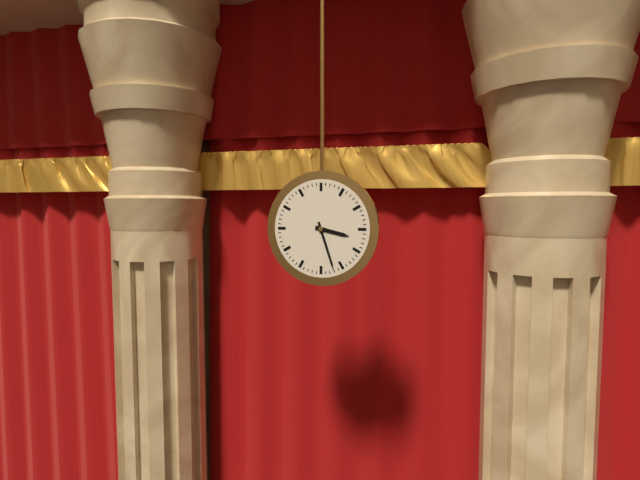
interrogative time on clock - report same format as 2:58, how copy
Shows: 3:27
